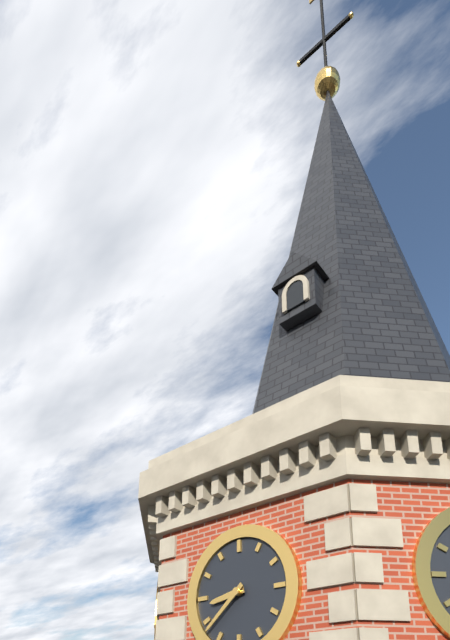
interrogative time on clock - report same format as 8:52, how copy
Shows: 8:38
